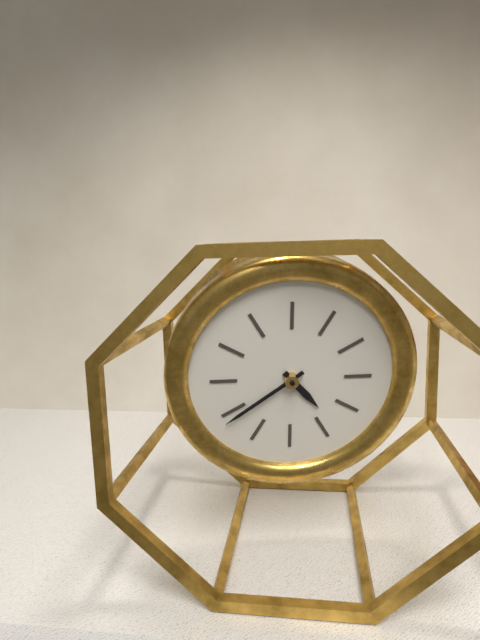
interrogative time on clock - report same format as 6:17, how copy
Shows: 4:39
